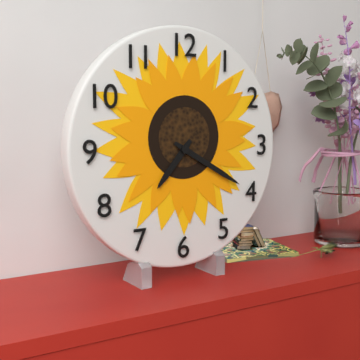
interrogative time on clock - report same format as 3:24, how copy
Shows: 7:20
